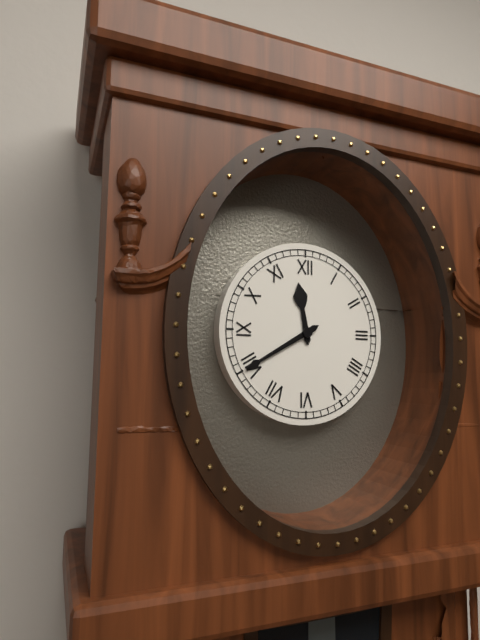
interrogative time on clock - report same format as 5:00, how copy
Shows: 11:40
